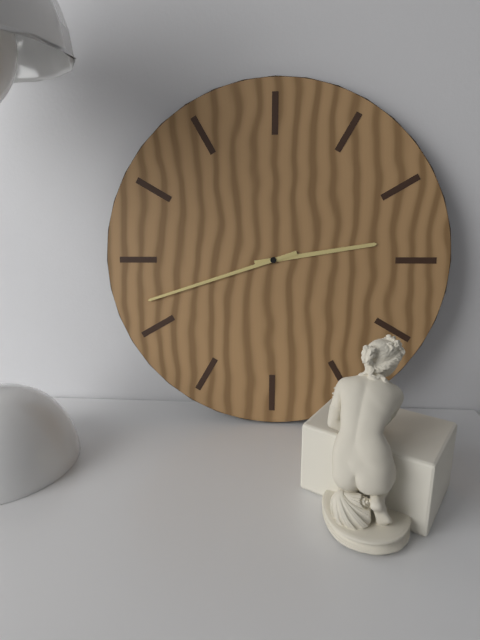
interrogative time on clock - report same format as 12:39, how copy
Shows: 2:42
